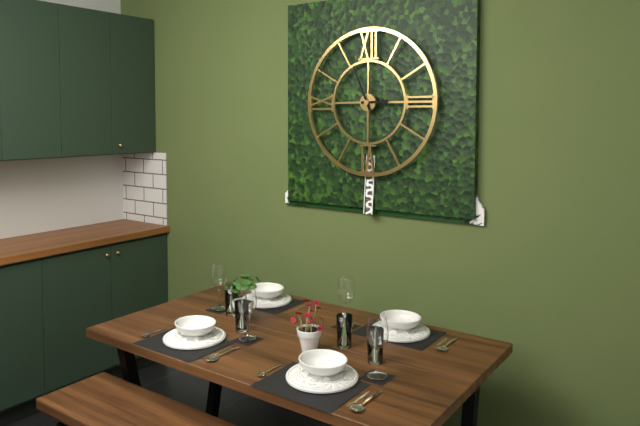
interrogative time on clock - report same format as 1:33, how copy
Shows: 2:56
